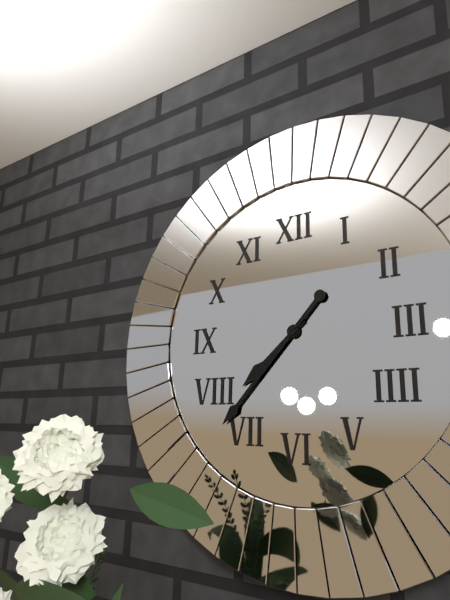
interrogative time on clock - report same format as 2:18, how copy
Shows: 7:37
